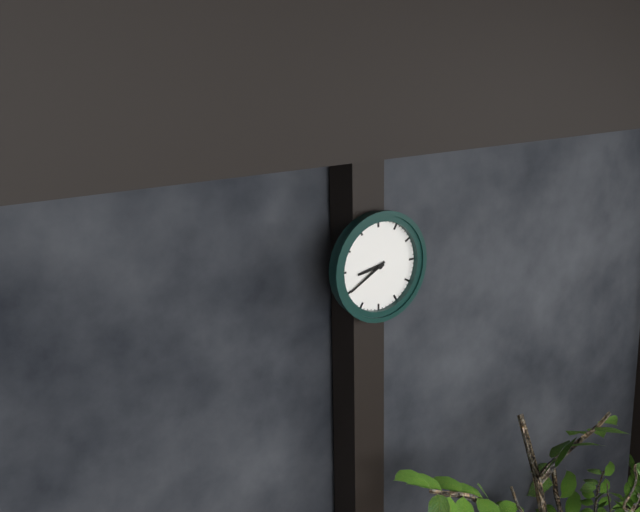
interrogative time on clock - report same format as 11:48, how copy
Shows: 8:40
